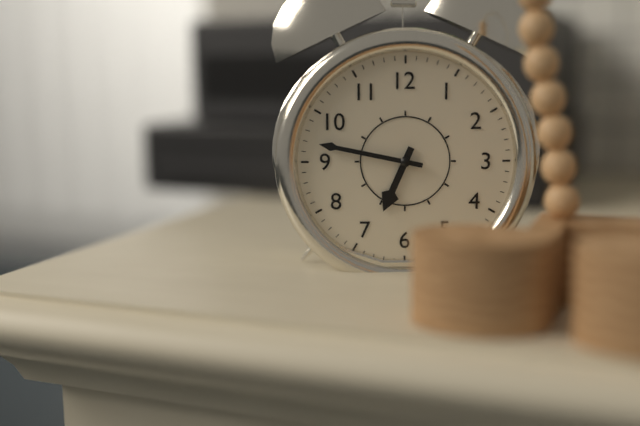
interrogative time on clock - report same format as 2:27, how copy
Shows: 6:47
